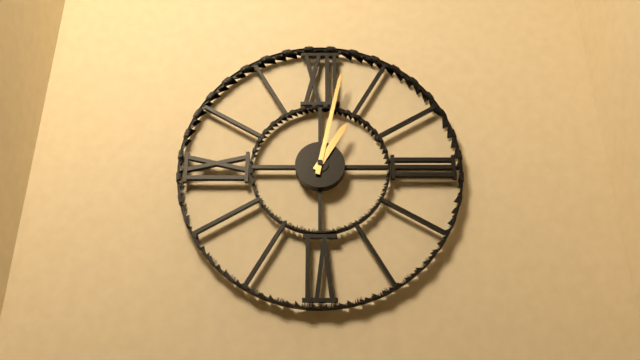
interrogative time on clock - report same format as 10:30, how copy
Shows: 1:02
